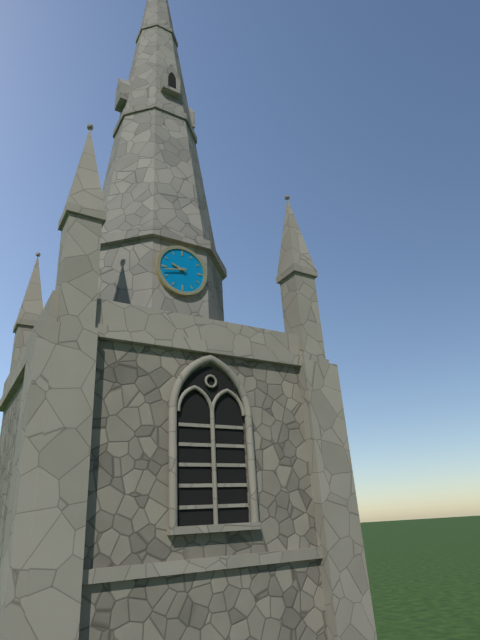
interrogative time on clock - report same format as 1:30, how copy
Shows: 9:43
